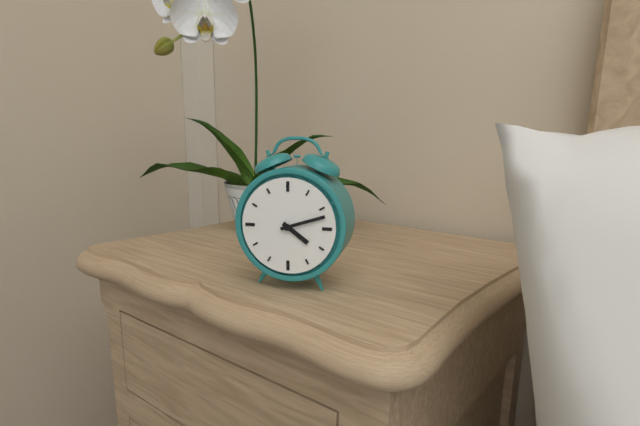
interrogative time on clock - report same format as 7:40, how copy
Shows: 4:12
